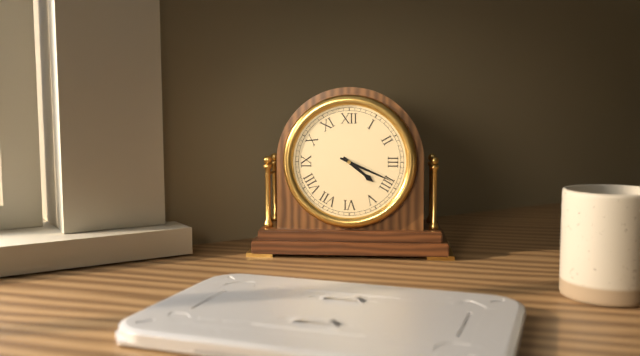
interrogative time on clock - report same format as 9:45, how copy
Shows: 4:19
